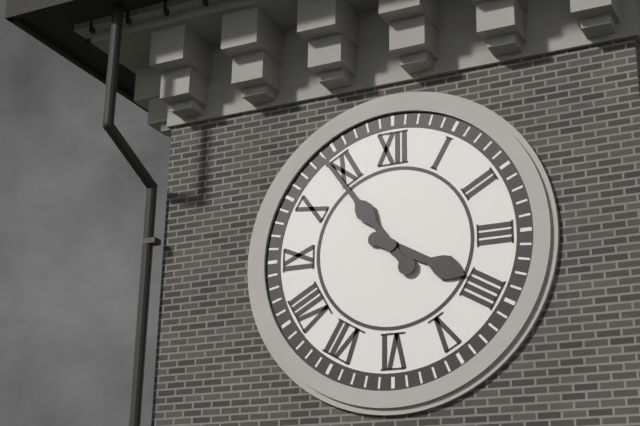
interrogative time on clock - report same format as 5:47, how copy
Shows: 3:54
